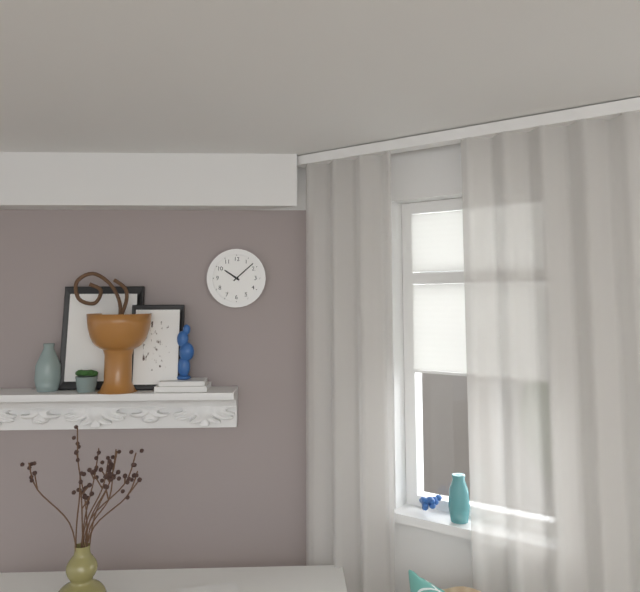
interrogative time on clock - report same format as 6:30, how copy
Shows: 10:08
